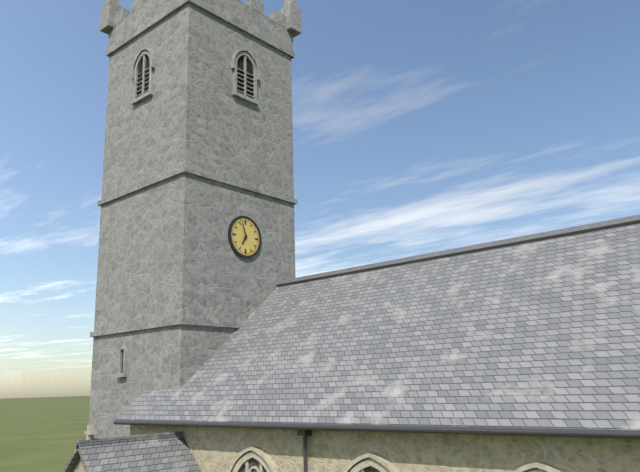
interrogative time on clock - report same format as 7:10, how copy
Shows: 6:57
